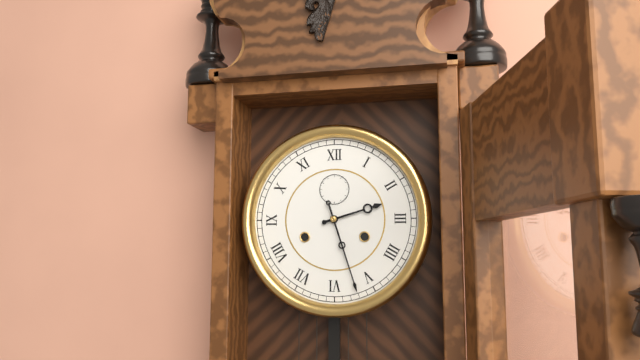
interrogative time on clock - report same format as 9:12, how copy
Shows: 2:27
